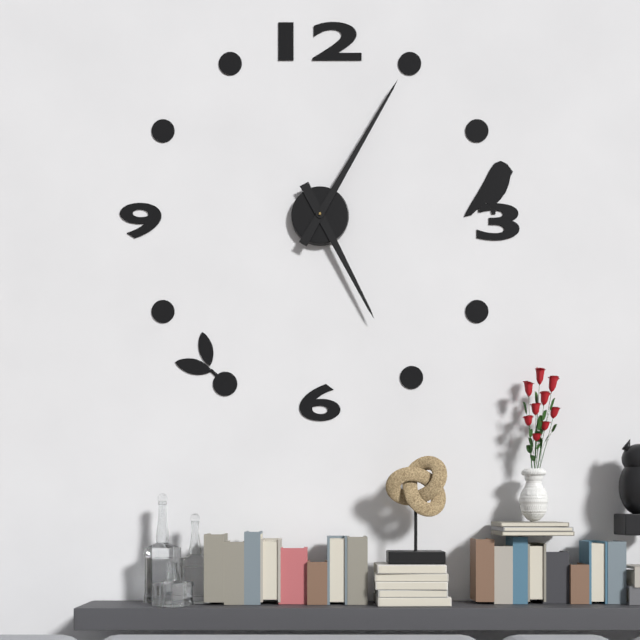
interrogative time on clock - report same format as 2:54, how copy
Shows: 5:05
